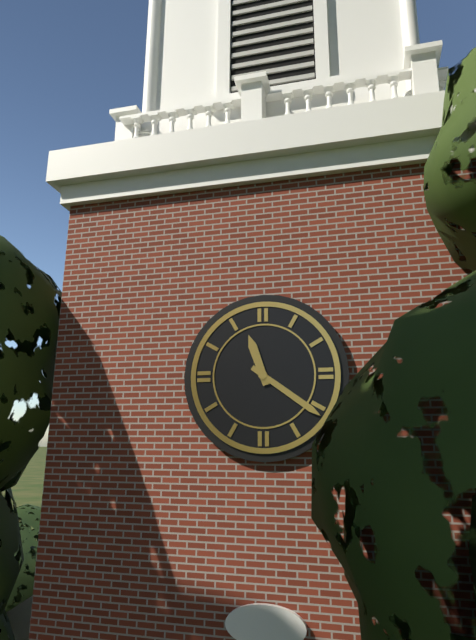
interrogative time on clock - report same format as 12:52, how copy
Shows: 11:21
